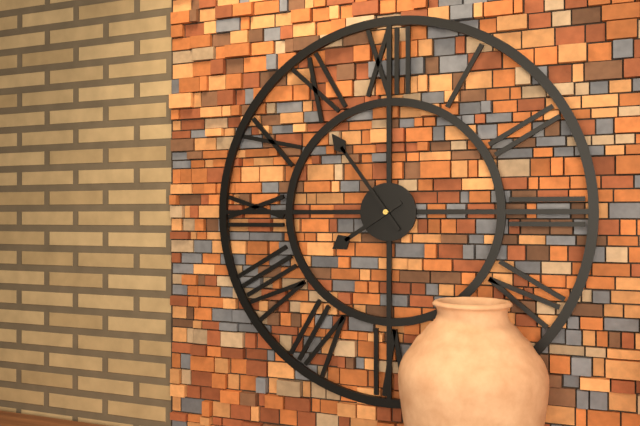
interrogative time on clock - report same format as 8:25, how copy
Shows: 7:54
